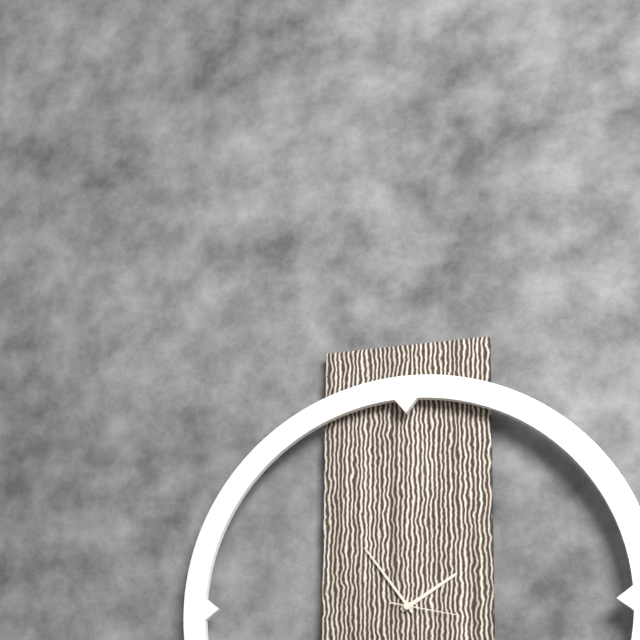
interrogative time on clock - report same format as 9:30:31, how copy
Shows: 1:54:17
